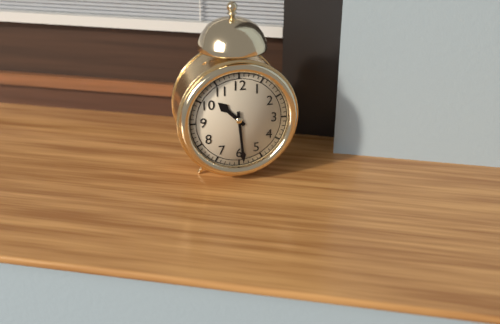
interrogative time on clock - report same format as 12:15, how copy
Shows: 10:29
